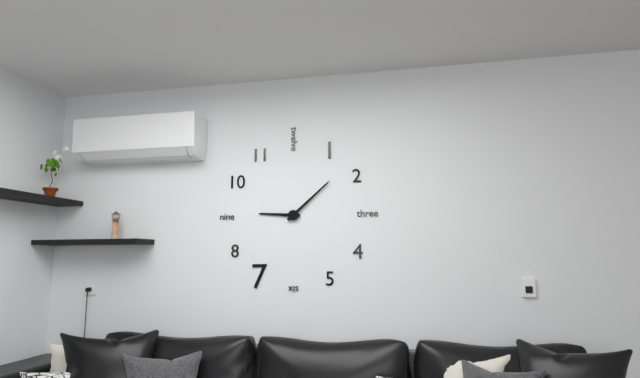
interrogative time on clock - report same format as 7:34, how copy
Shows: 9:08
